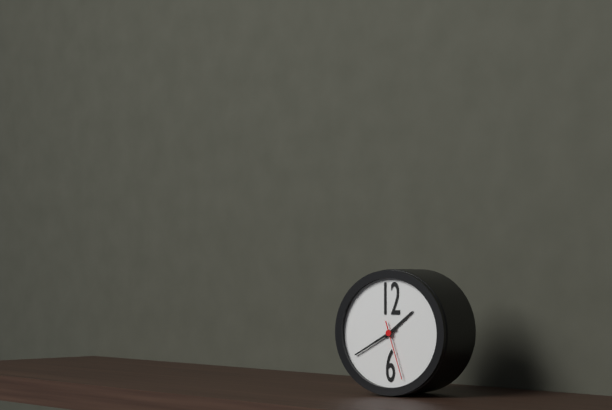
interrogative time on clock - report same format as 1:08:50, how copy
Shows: 1:40:27
